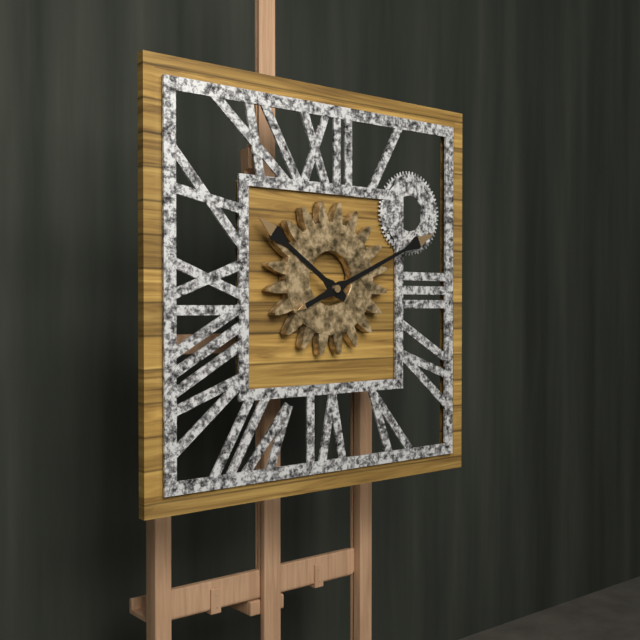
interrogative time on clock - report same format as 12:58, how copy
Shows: 10:11
